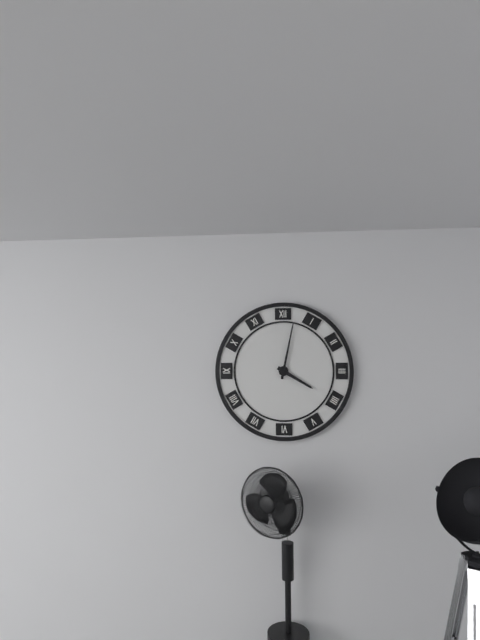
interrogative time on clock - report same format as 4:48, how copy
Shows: 4:02
